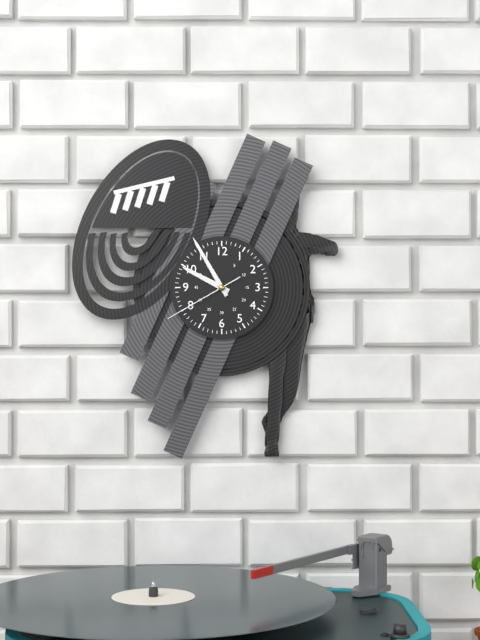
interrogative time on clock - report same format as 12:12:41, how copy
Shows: 9:55:40
